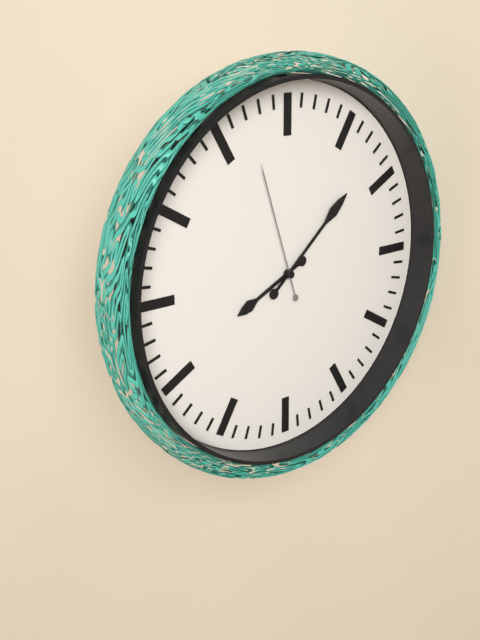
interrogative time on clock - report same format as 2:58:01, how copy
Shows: 8:08:57
